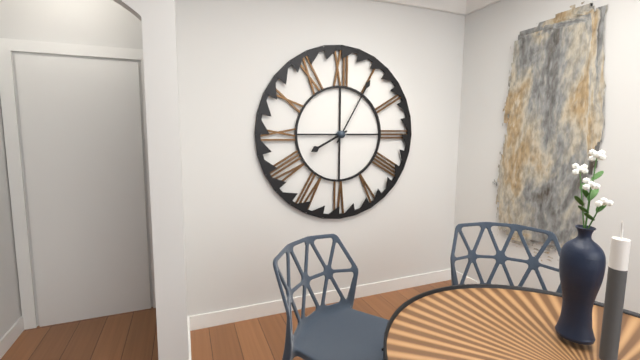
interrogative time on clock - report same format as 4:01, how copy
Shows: 8:05
